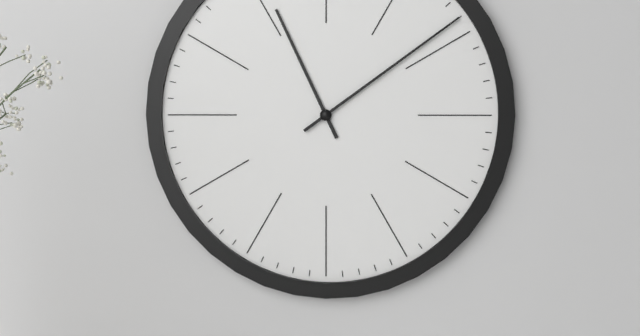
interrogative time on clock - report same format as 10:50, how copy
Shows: 11:09
